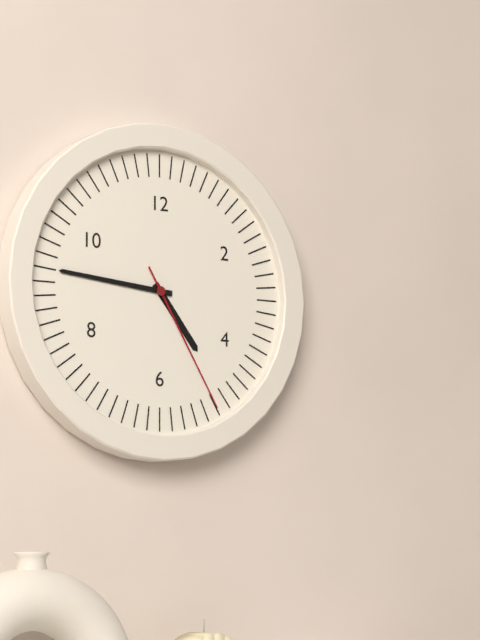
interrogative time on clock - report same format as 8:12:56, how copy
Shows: 4:46:25
